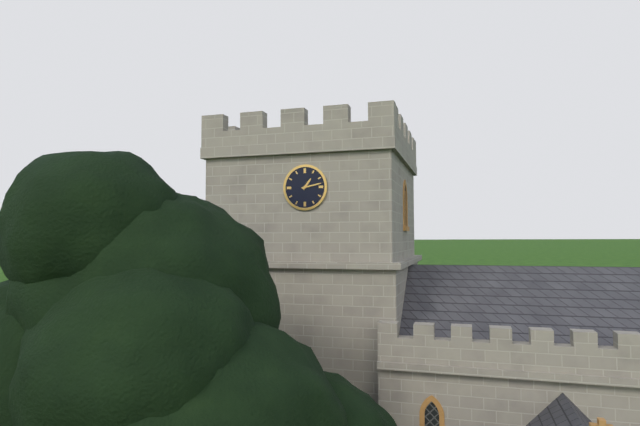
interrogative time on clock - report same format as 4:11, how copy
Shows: 1:13
